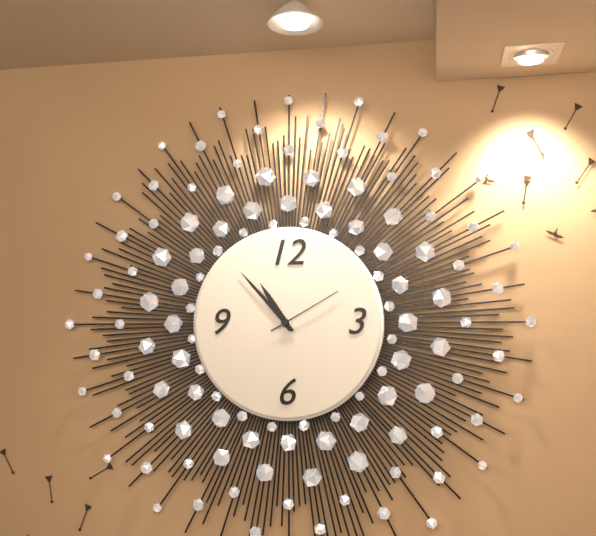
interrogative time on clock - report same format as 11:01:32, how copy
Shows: 10:53:10
